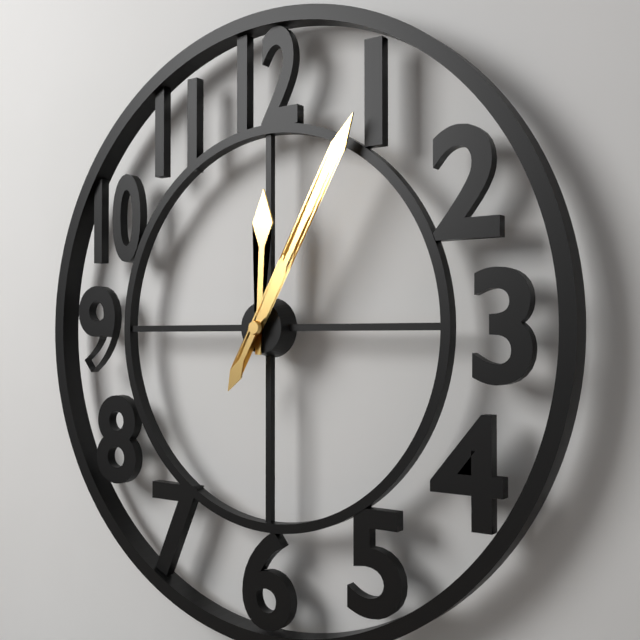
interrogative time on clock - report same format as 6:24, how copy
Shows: 12:05
